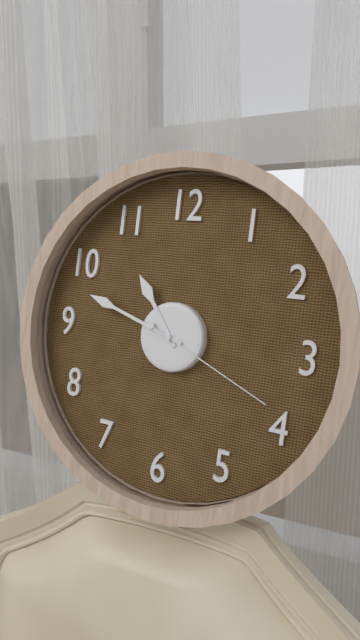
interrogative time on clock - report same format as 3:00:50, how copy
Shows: 10:48:19
